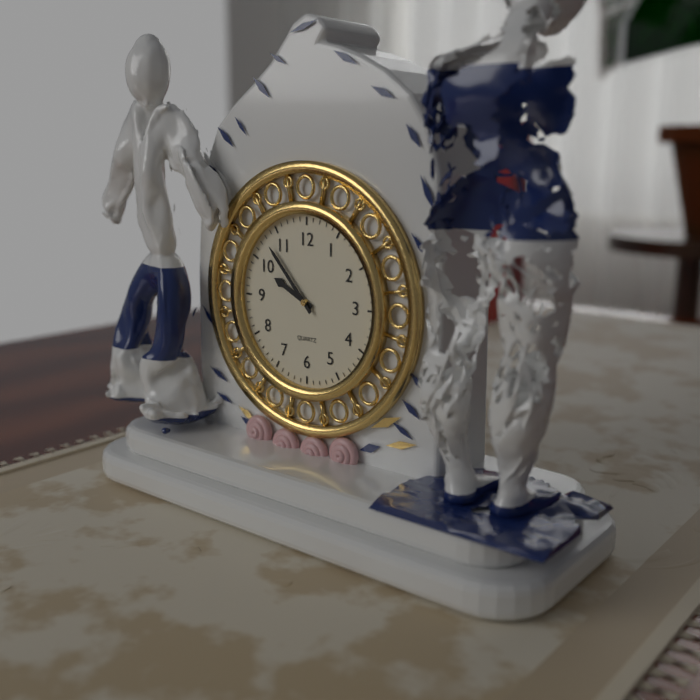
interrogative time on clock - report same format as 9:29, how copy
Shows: 9:53
